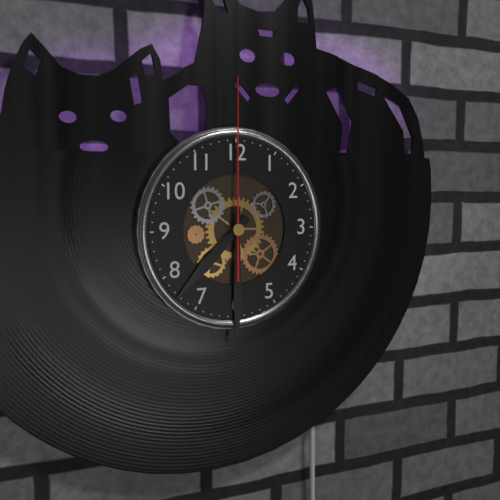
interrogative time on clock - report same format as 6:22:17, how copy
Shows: 7:30:00
